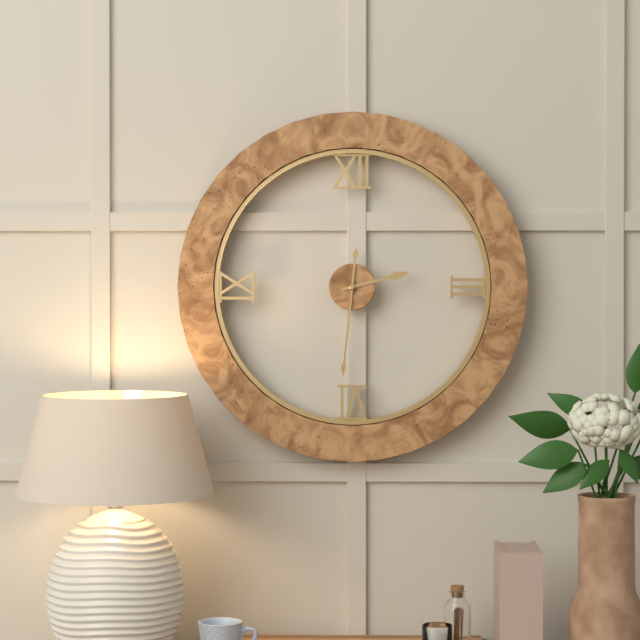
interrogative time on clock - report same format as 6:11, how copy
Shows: 2:31
